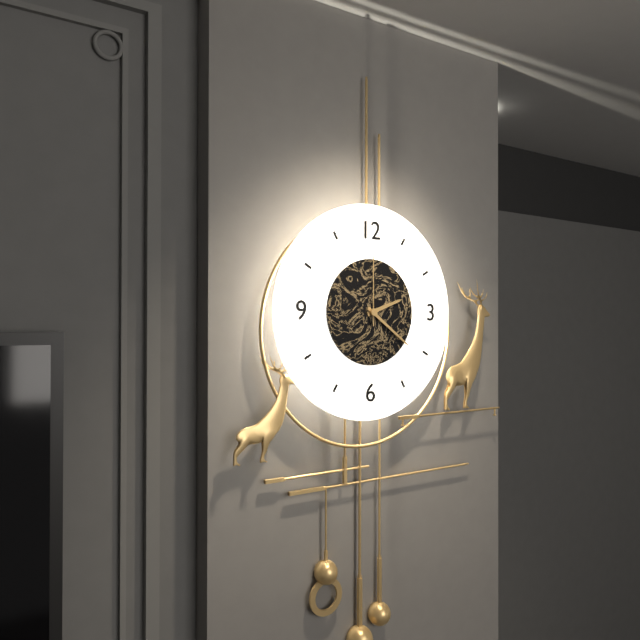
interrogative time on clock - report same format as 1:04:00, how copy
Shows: 2:21:00
